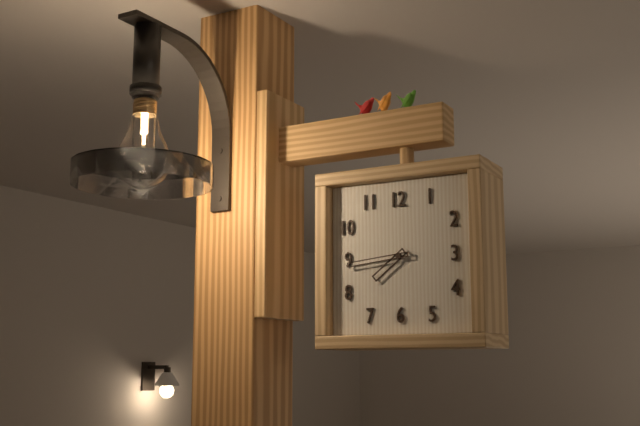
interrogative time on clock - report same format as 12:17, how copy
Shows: 7:44
